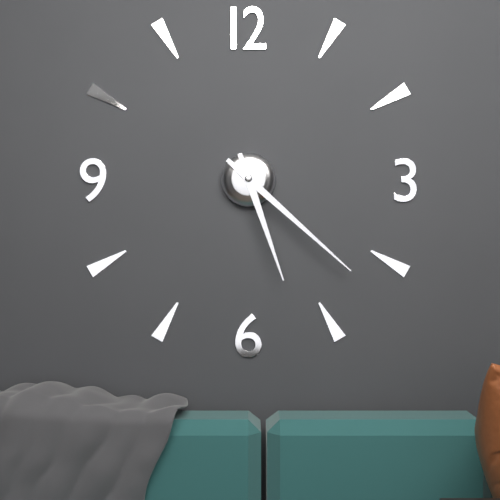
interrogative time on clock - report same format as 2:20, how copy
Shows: 5:22
